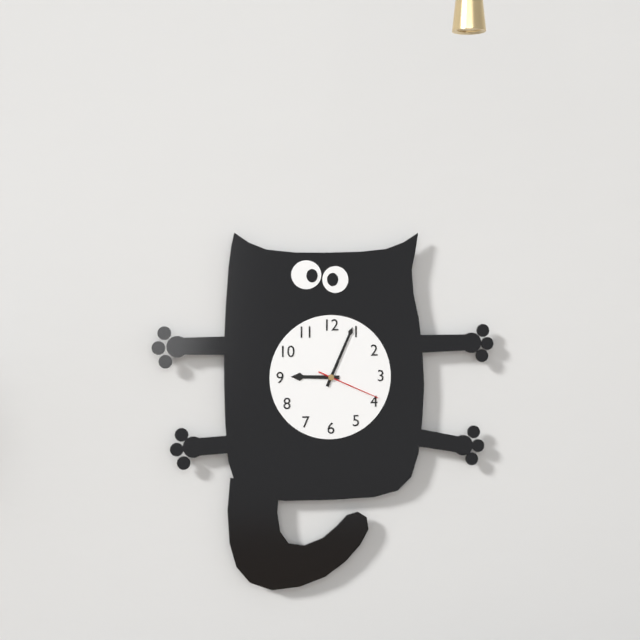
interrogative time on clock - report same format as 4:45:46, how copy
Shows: 9:04:19
